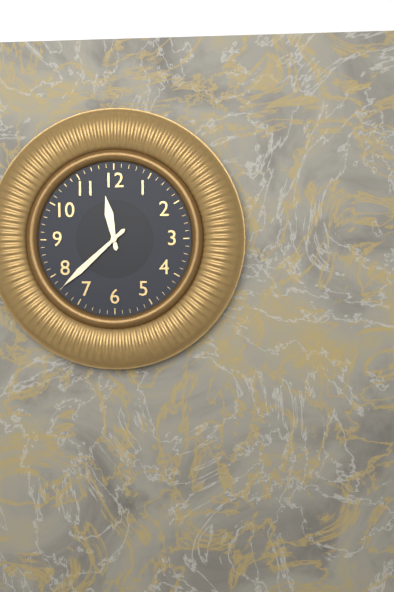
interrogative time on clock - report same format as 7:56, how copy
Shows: 11:38
